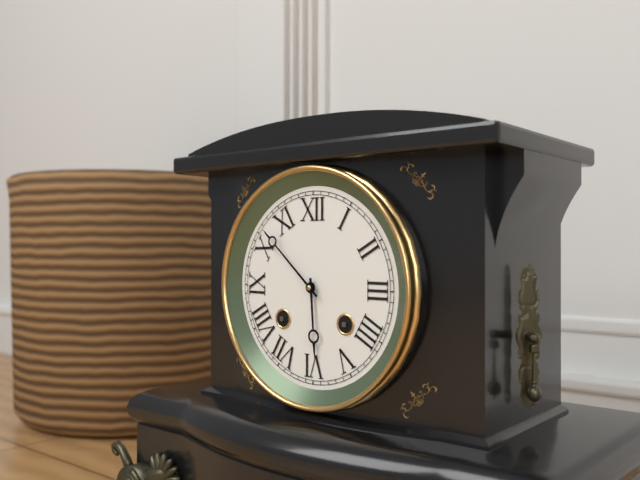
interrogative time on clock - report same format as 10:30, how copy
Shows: 5:52
